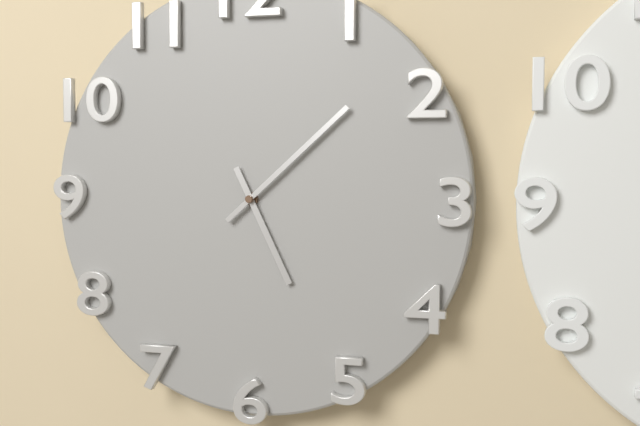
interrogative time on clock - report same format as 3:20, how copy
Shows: 5:08
